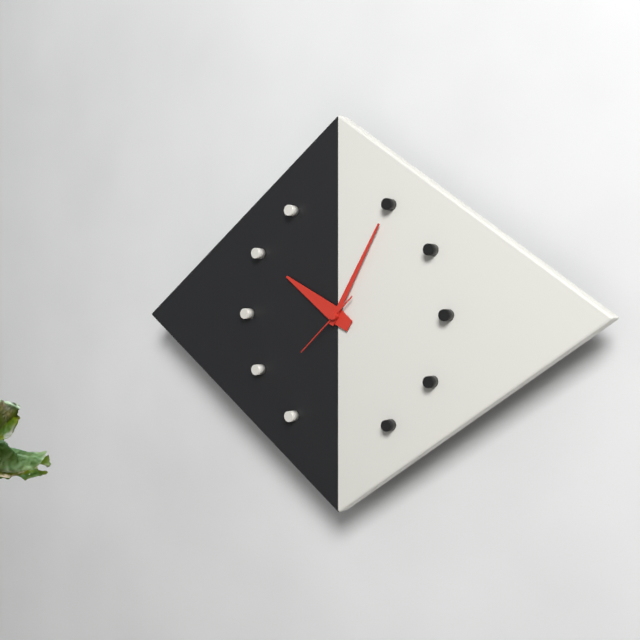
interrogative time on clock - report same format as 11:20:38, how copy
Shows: 10:05:38
